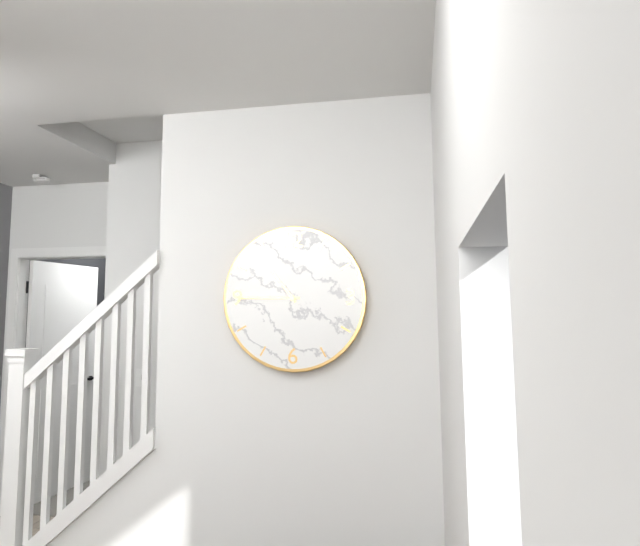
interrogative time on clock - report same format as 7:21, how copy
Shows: 10:45
